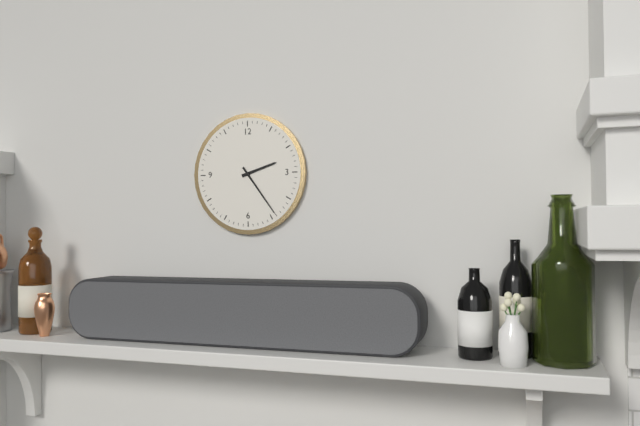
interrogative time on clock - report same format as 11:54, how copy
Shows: 2:24
